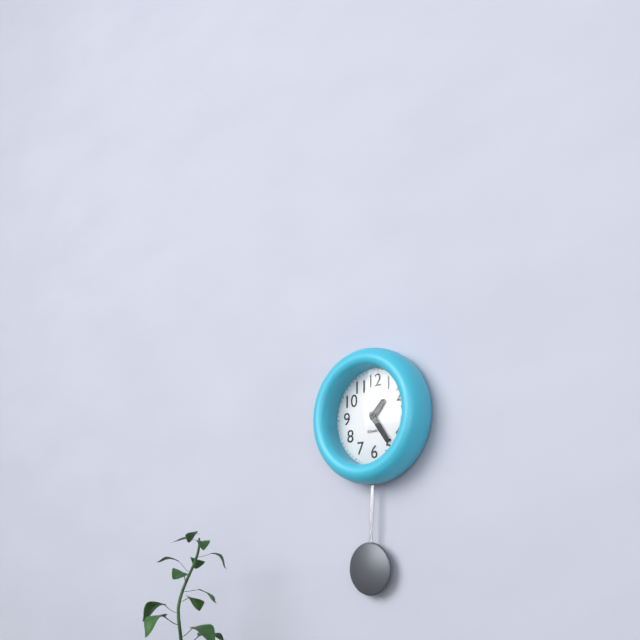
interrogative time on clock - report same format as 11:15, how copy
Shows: 1:24
